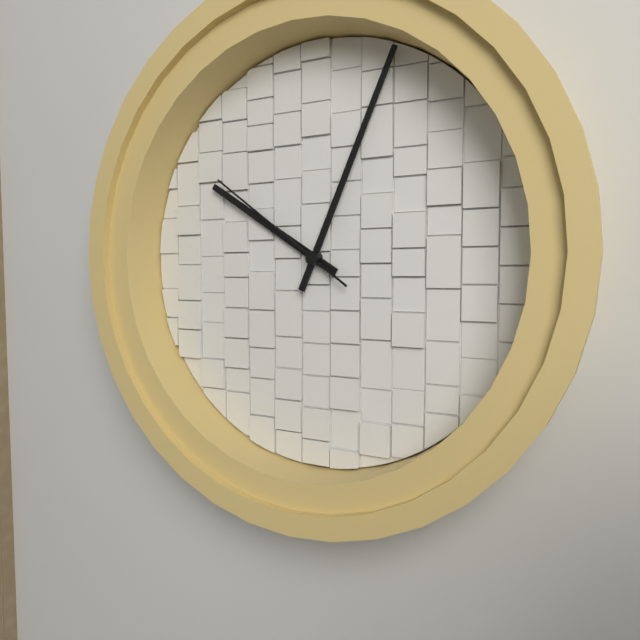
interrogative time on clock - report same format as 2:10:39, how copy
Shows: 10:04:51
